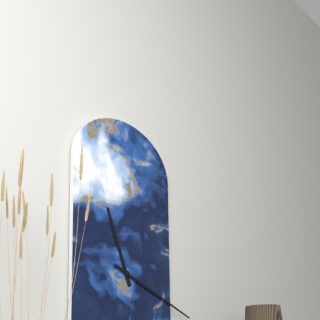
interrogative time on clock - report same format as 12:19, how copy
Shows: 11:19
